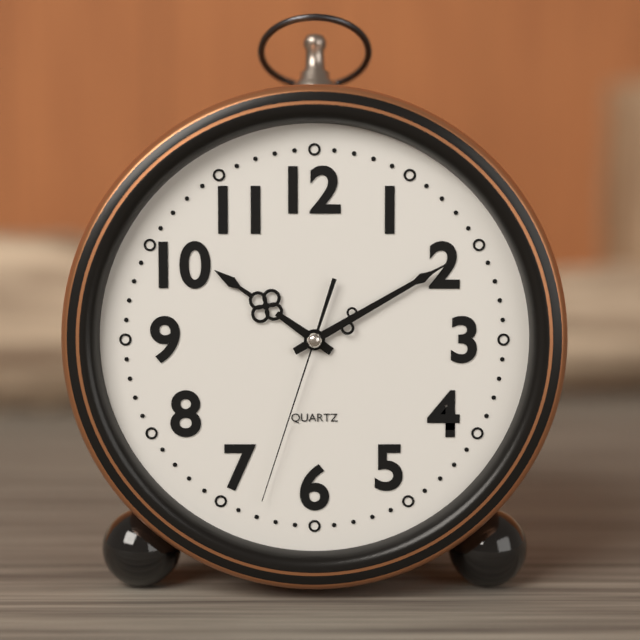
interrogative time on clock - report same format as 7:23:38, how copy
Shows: 10:10:33
